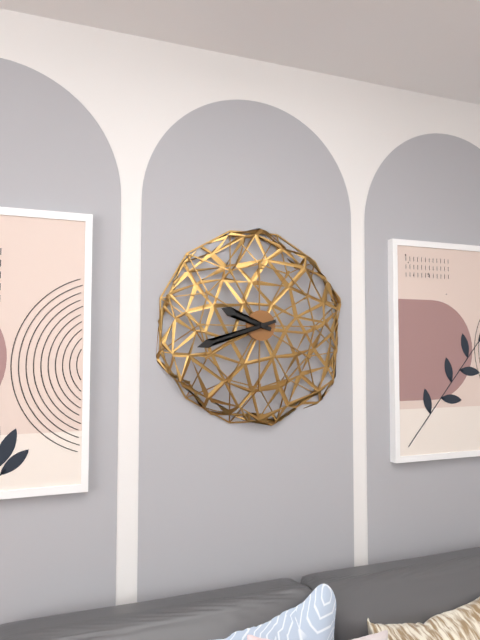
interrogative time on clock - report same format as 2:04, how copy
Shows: 9:42
